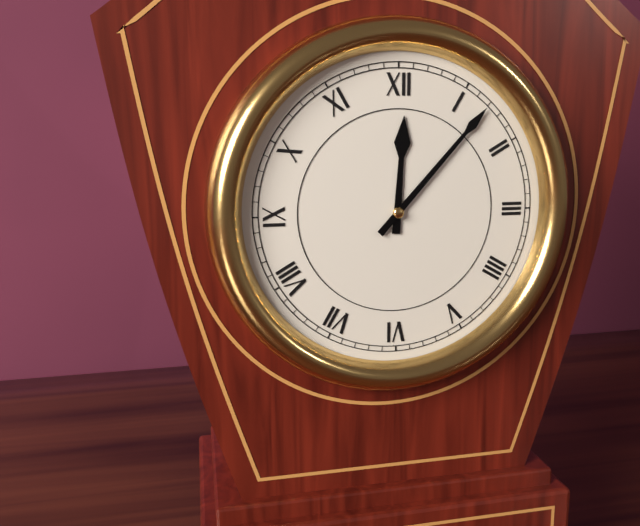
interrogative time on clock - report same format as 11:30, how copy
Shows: 12:07
